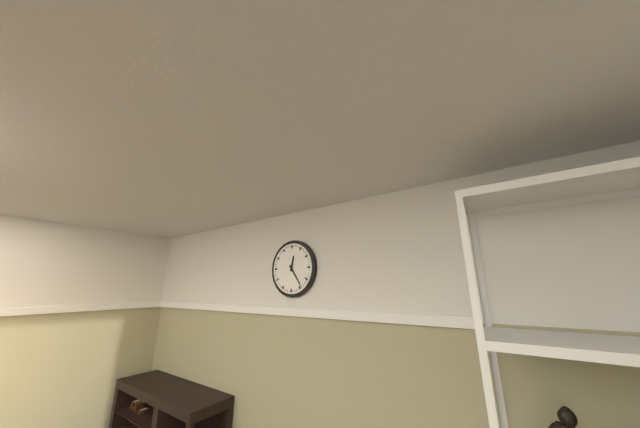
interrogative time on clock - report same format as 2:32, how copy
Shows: 12:24
